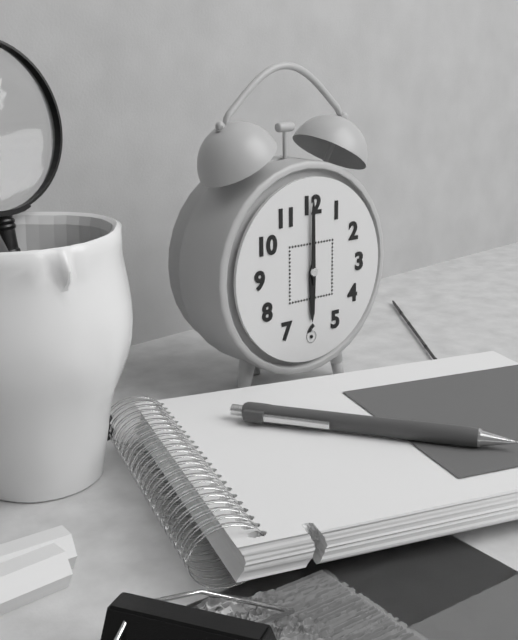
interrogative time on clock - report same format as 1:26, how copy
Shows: 6:00
